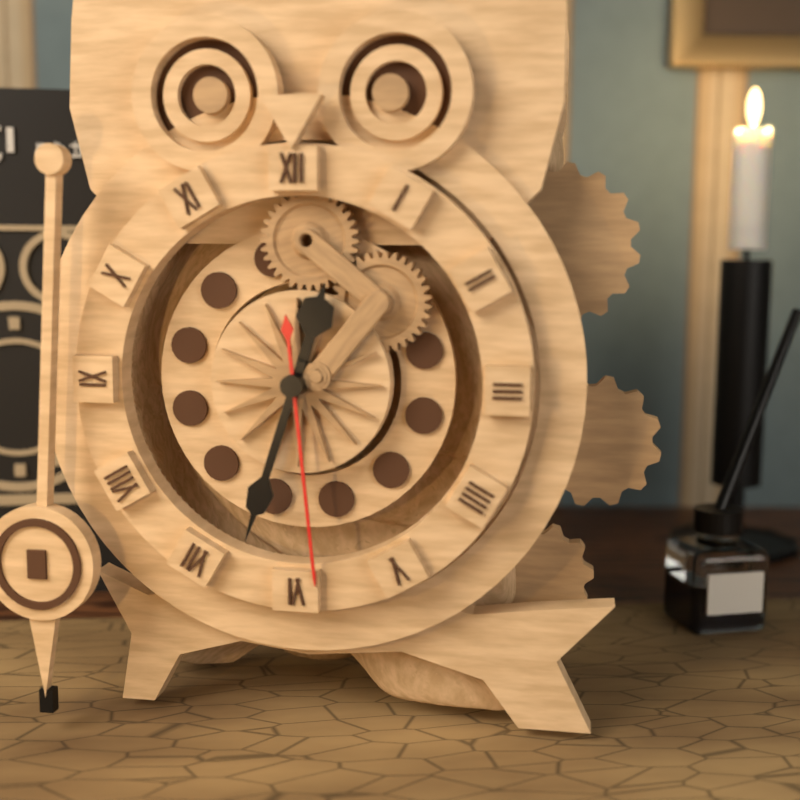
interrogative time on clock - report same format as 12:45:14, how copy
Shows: 12:33:29
